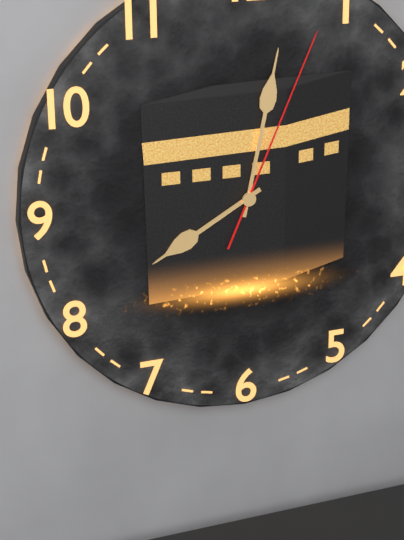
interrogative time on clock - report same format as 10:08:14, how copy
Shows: 8:02:04
